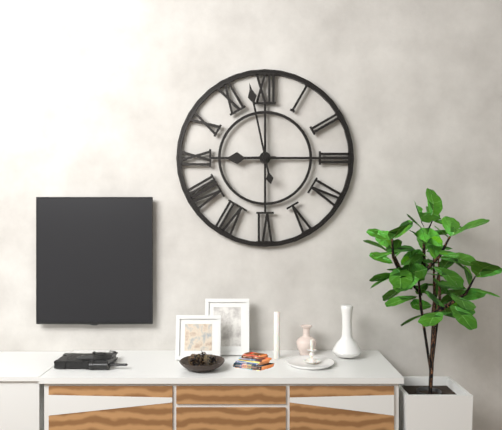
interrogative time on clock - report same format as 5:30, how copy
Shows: 8:58
